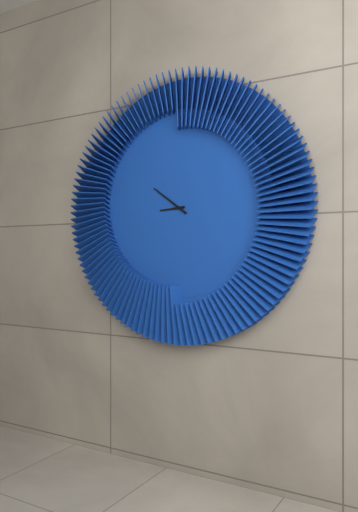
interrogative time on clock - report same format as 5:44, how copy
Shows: 8:51
